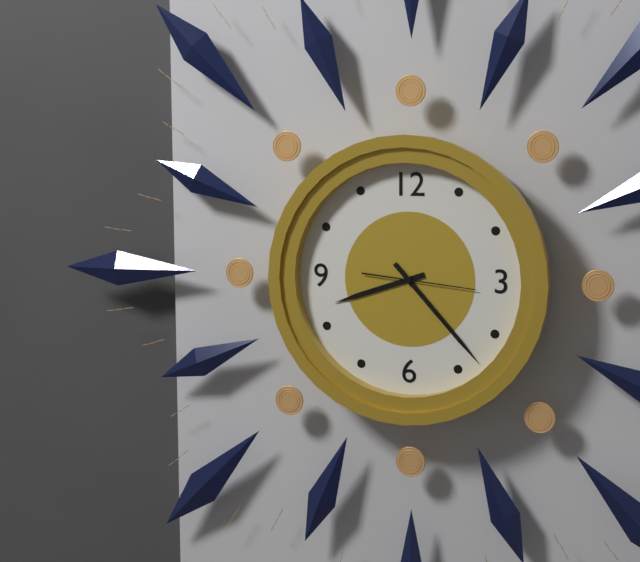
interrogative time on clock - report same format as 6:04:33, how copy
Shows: 8:23:16
